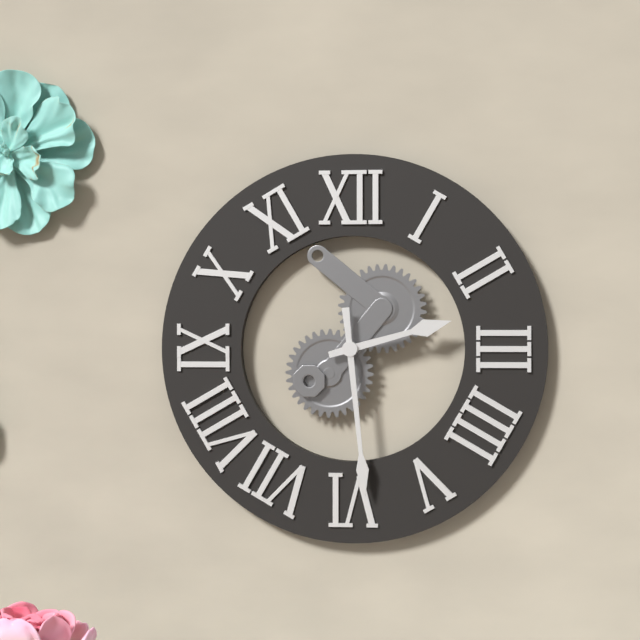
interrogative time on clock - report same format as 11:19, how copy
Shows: 2:29
